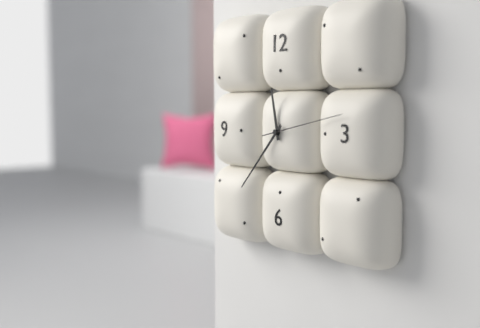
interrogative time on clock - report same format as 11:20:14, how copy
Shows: 11:37:13
